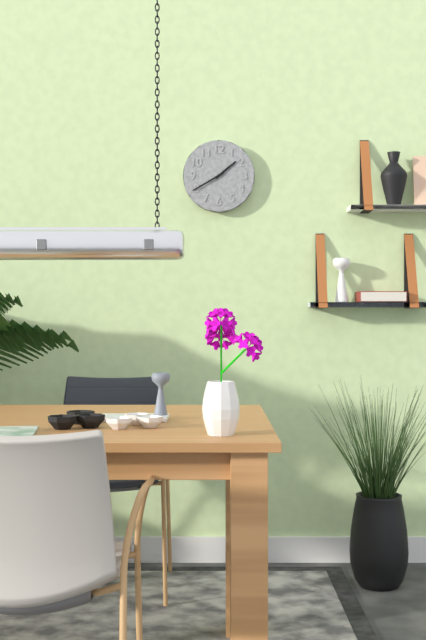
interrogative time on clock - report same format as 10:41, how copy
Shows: 1:40
